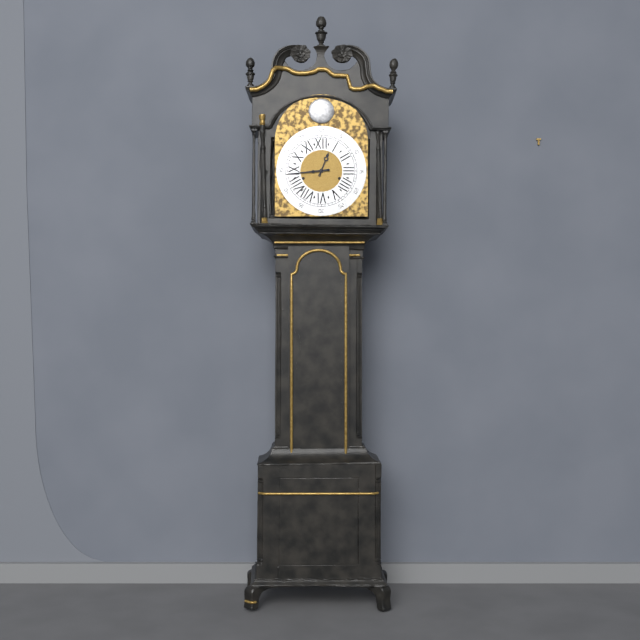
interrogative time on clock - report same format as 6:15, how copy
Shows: 12:44
